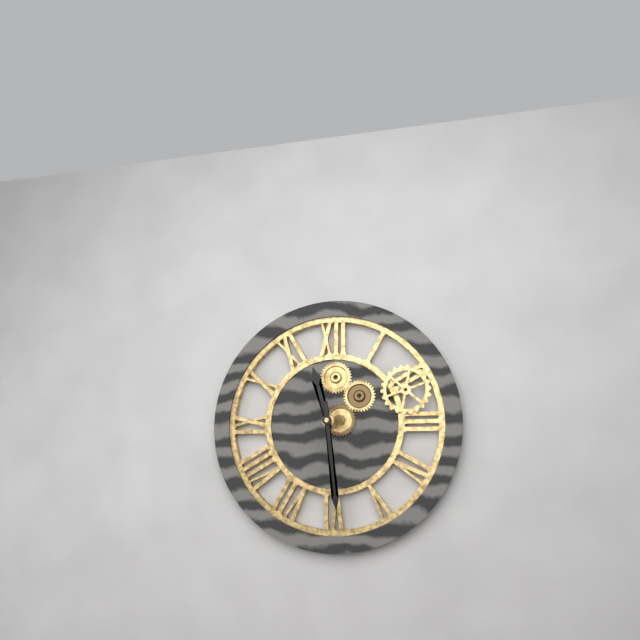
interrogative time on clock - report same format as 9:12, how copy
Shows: 11:29
